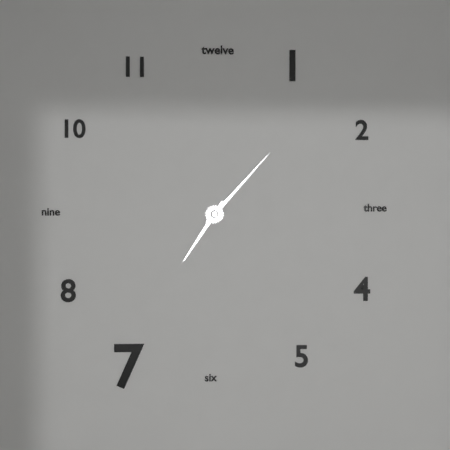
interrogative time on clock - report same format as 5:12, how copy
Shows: 7:07
